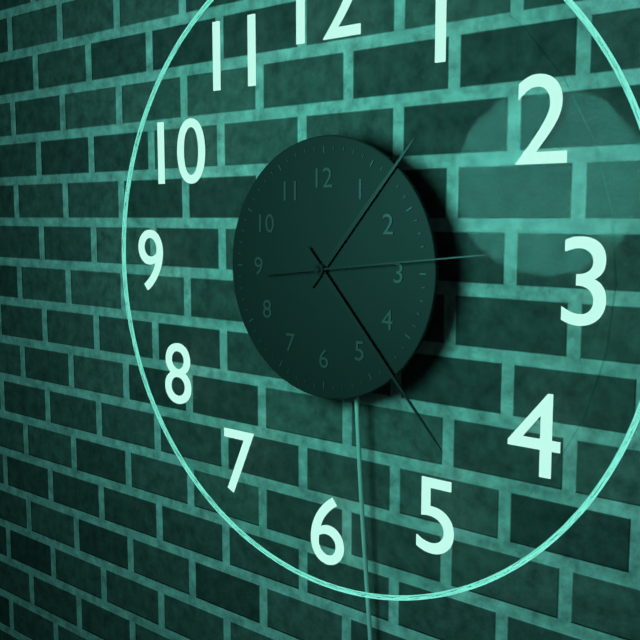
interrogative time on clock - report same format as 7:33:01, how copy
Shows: 1:23:14
